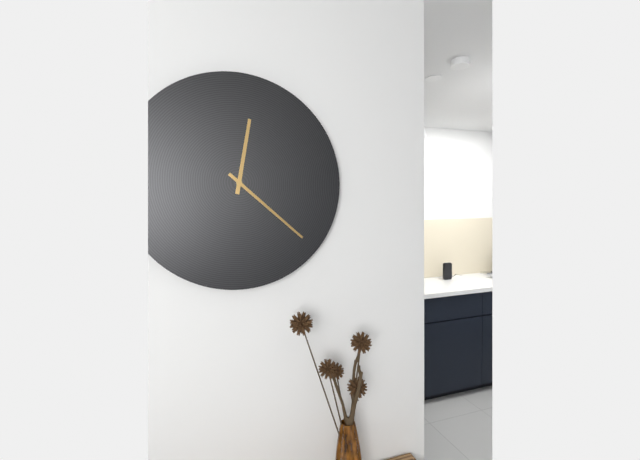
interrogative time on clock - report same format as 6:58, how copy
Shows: 12:22
